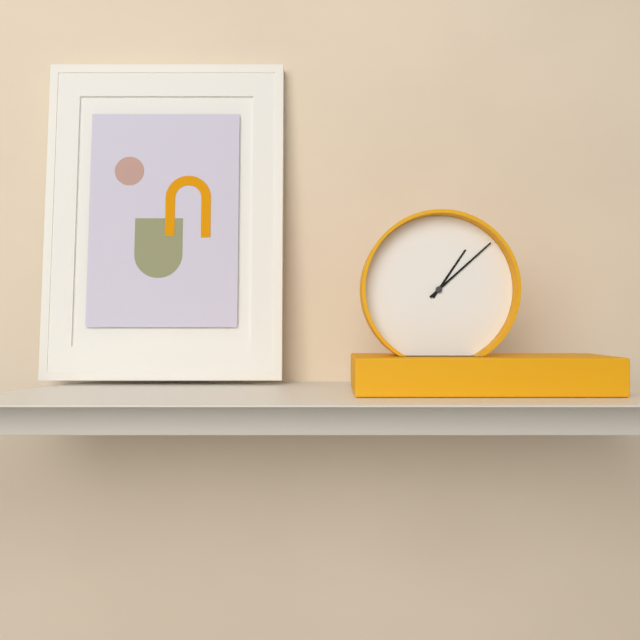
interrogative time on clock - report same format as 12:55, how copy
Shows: 1:08
